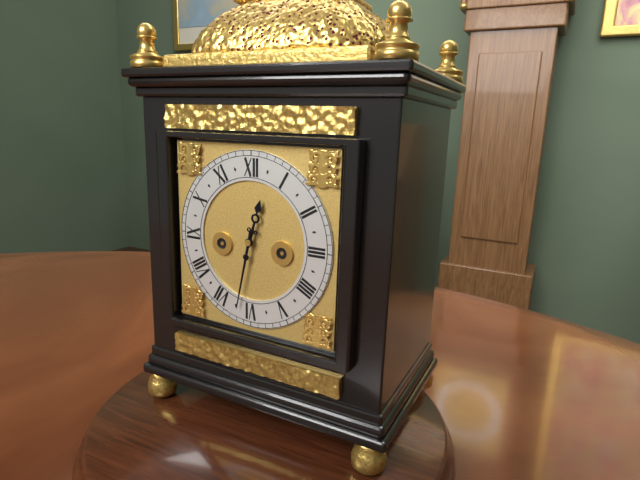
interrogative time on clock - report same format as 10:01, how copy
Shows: 12:32
